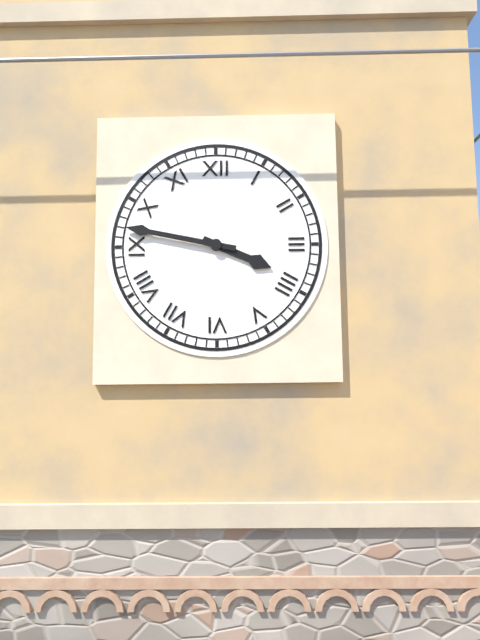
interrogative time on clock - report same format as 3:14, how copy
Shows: 3:47
